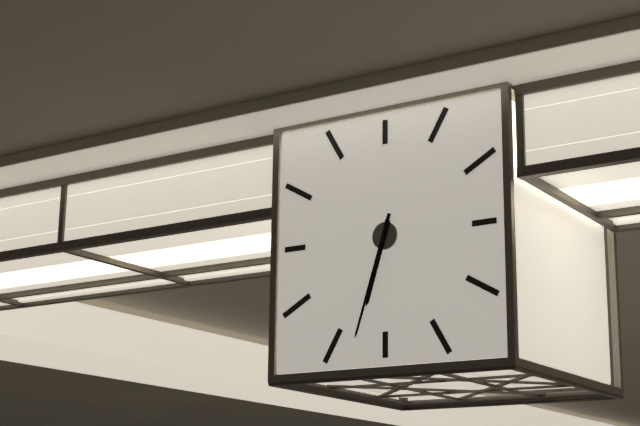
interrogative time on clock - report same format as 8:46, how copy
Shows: 6:33
